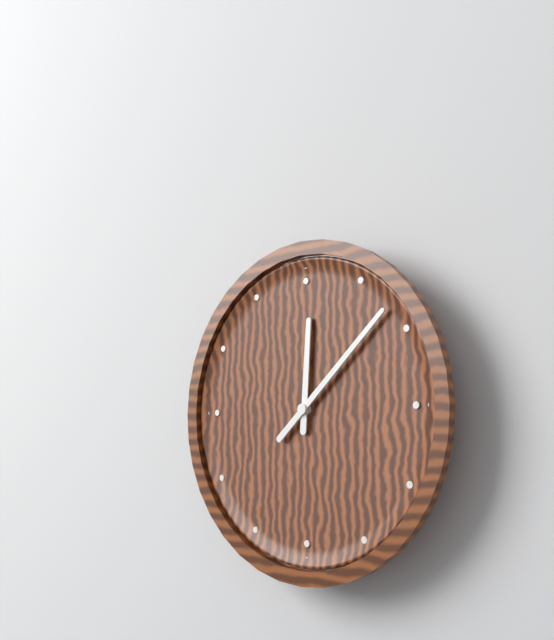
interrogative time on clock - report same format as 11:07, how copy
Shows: 12:08
